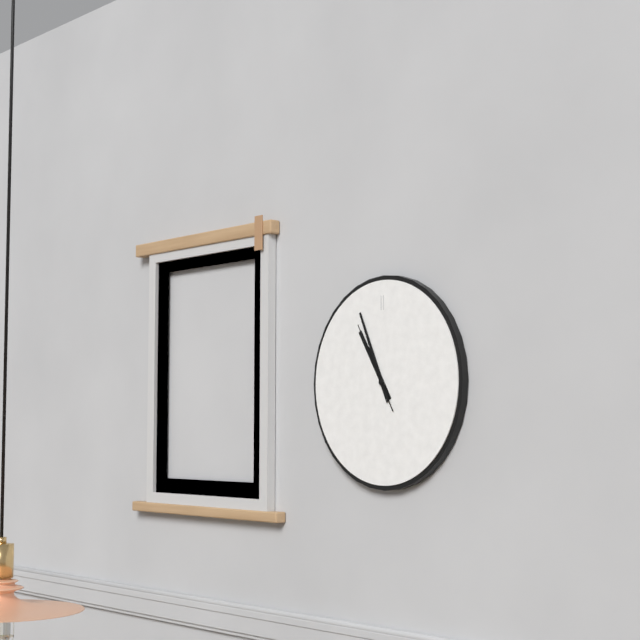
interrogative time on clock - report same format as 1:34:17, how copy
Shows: 10:56:55
